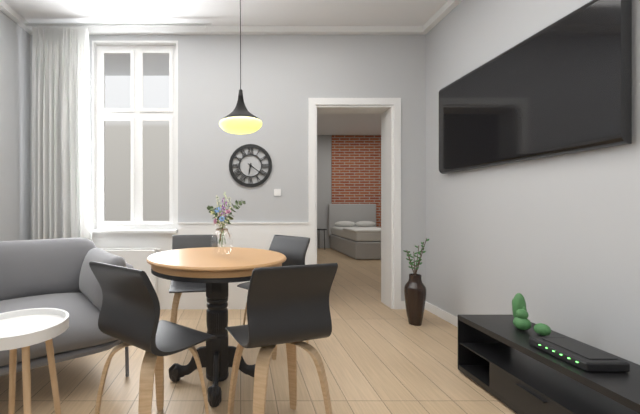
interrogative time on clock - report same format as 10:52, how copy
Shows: 6:21
